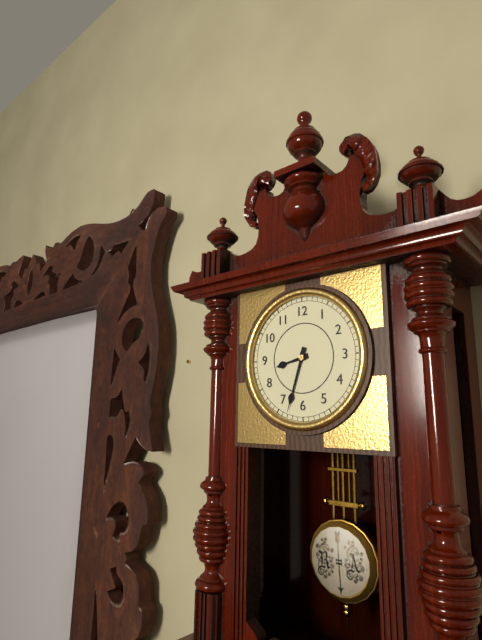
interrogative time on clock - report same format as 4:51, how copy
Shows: 8:33
